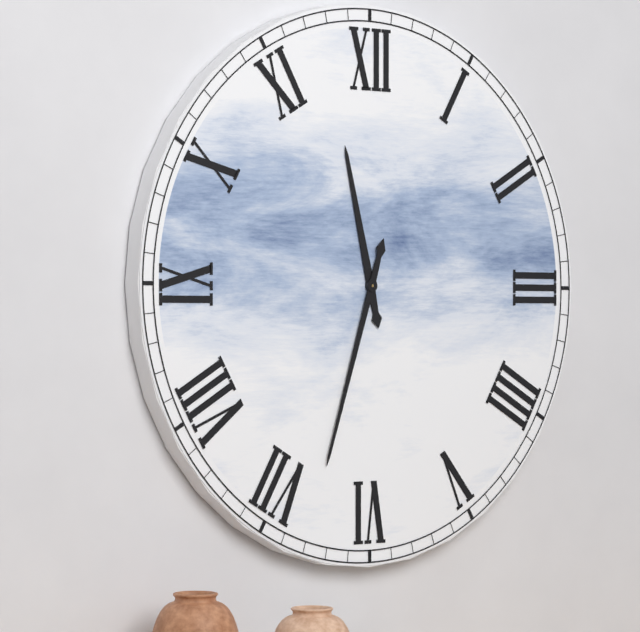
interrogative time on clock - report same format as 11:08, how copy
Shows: 11:33
